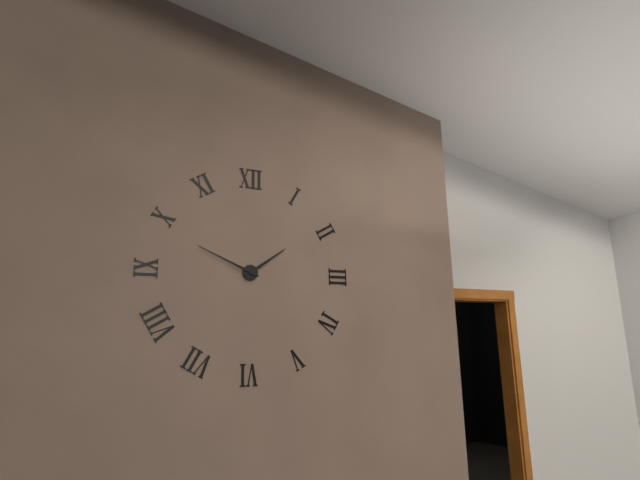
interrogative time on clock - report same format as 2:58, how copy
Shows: 1:49
